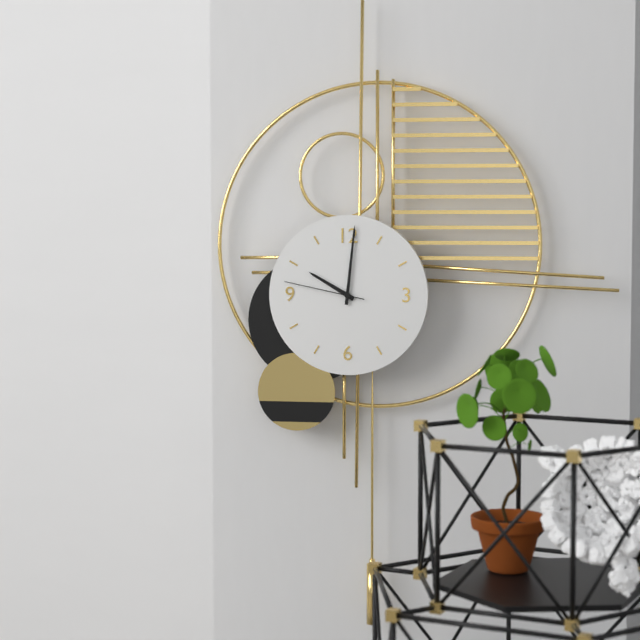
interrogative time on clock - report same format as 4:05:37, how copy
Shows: 10:01:47
